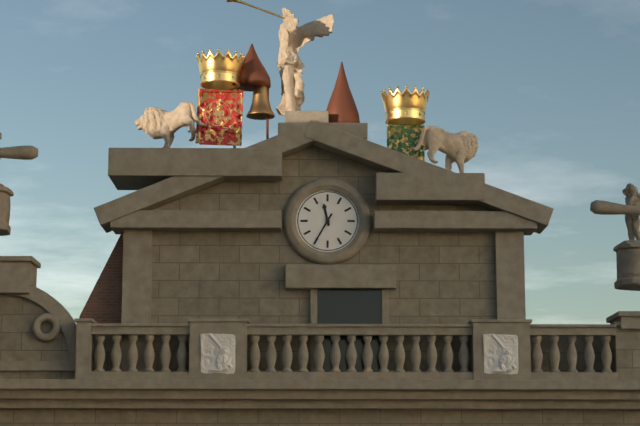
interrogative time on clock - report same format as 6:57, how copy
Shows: 11:35
